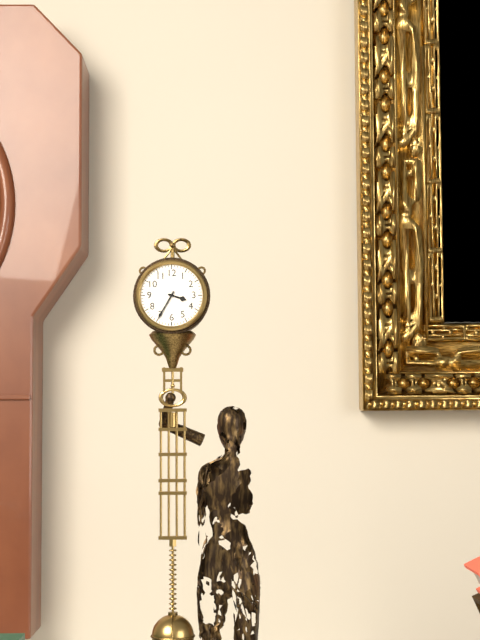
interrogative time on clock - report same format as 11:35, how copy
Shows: 3:35
